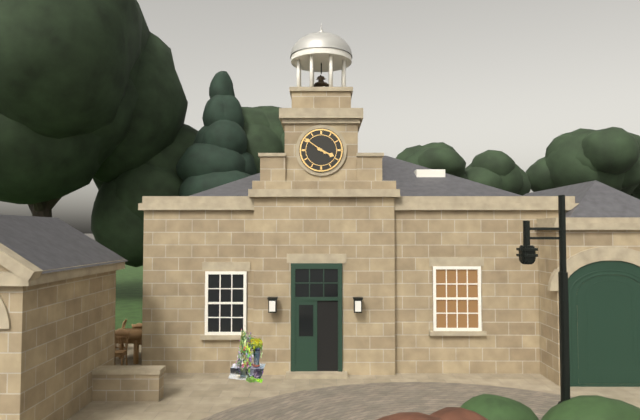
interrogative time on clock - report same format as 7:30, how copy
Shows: 3:51
